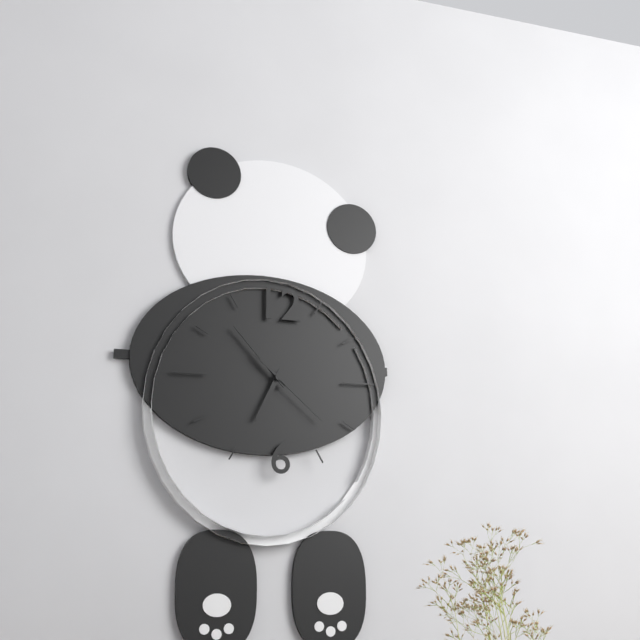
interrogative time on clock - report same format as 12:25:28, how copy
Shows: 6:53:22
